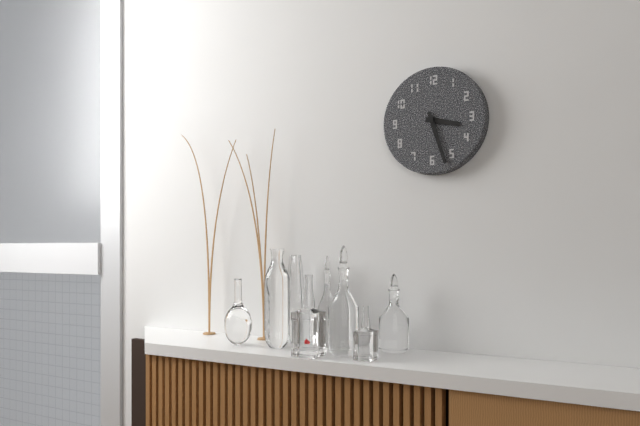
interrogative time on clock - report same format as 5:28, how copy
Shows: 3:27
